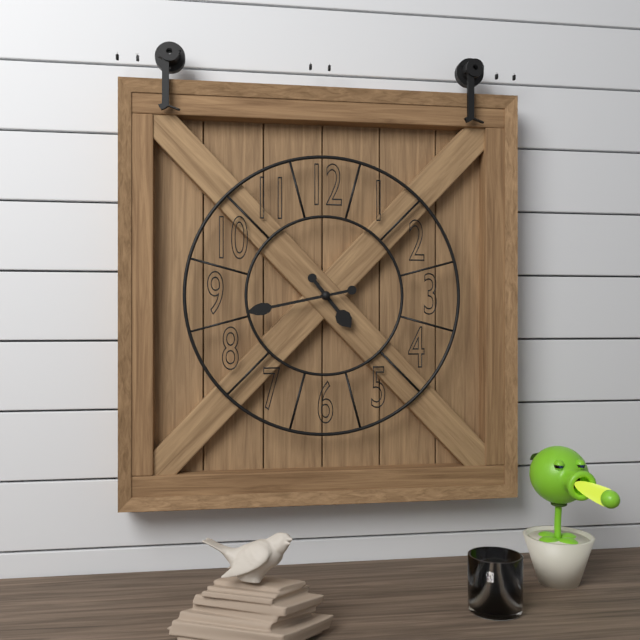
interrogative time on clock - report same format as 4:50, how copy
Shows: 4:43
